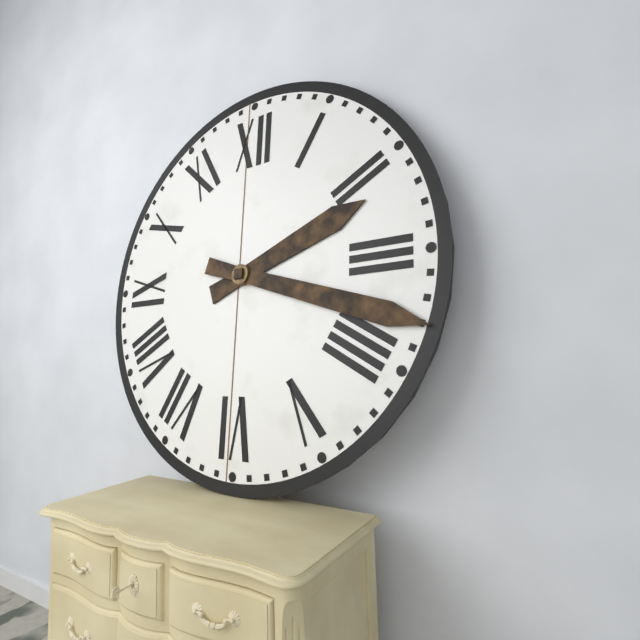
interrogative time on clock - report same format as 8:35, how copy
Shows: 2:18
